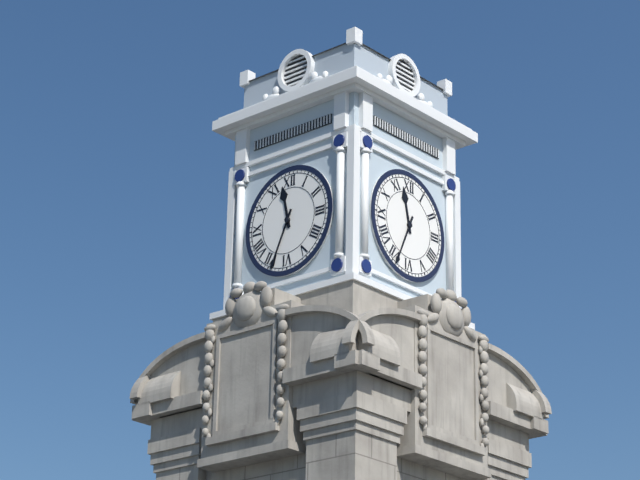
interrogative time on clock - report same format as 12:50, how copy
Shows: 11:34
